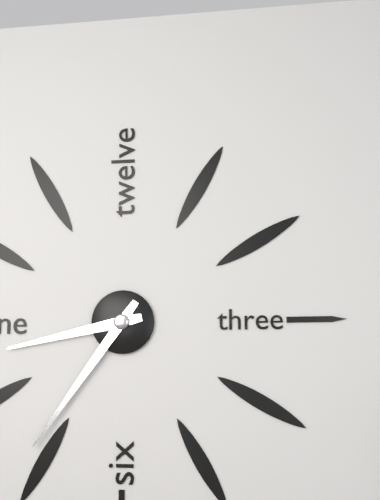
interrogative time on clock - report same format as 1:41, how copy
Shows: 8:36
